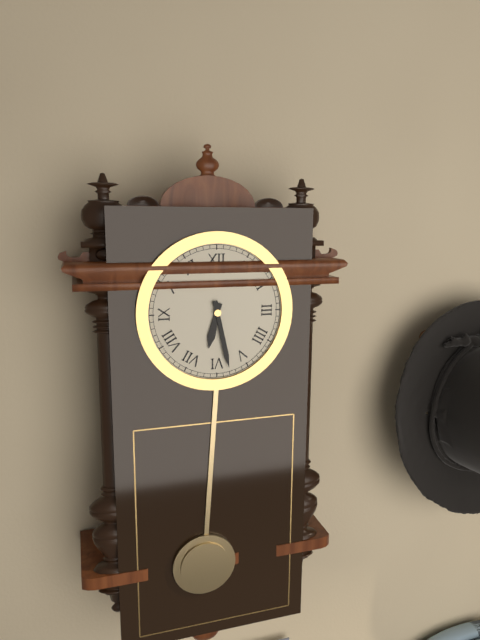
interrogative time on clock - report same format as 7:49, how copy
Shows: 6:28
